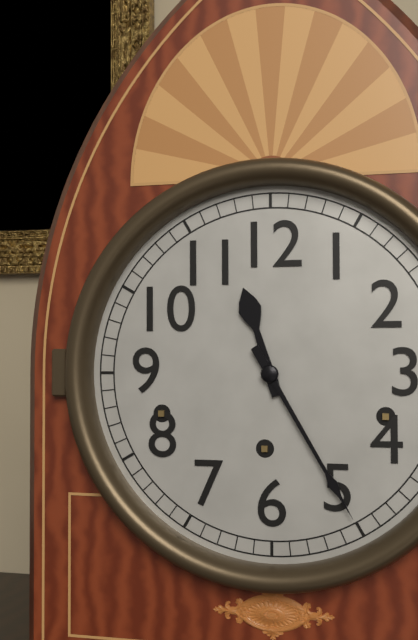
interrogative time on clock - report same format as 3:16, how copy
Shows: 11:25
